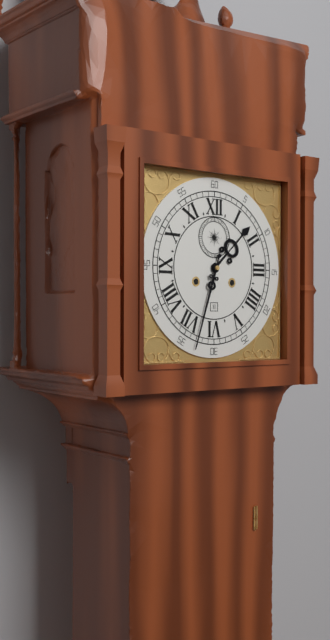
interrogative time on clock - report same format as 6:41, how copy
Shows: 1:33
